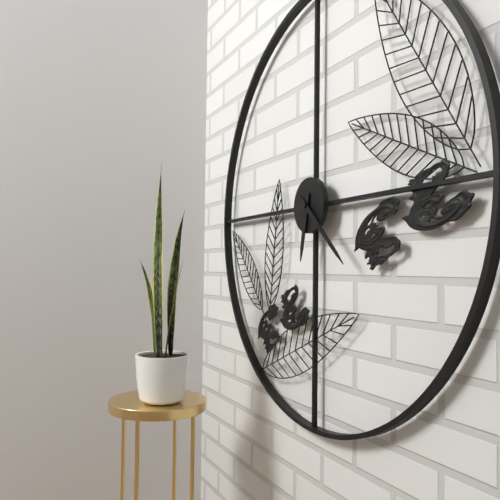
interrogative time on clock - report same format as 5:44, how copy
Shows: 6:22
